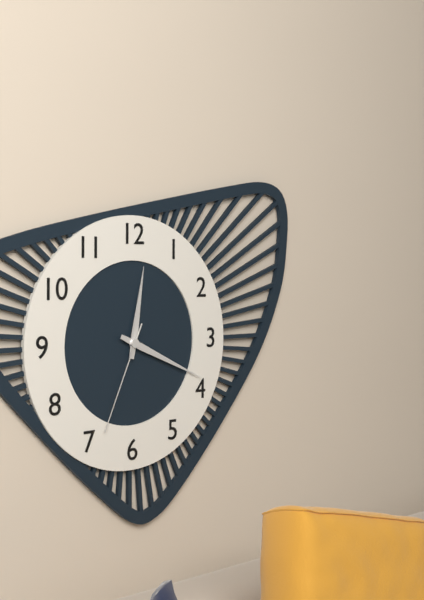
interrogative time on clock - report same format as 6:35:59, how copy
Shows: 12:19:34
